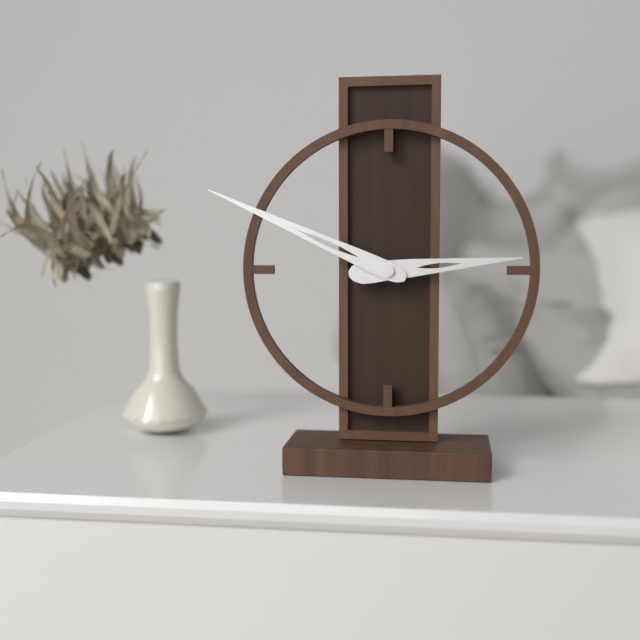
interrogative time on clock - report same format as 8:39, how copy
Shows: 2:49
